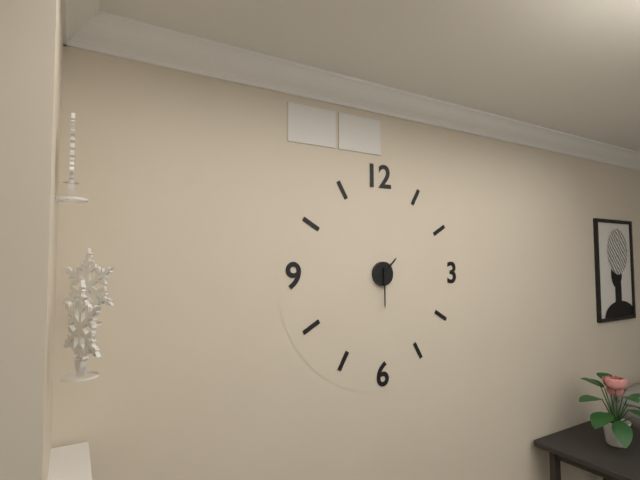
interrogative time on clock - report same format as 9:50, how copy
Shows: 1:30
